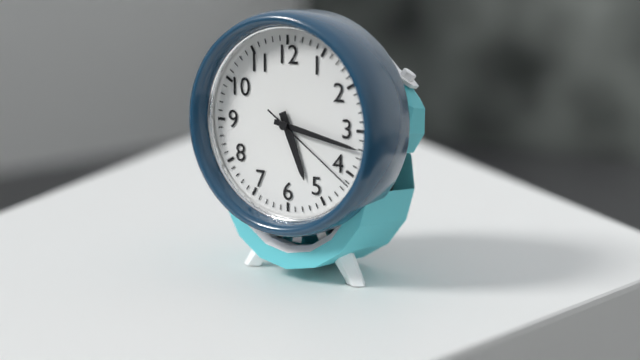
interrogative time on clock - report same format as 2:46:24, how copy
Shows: 5:17:21
